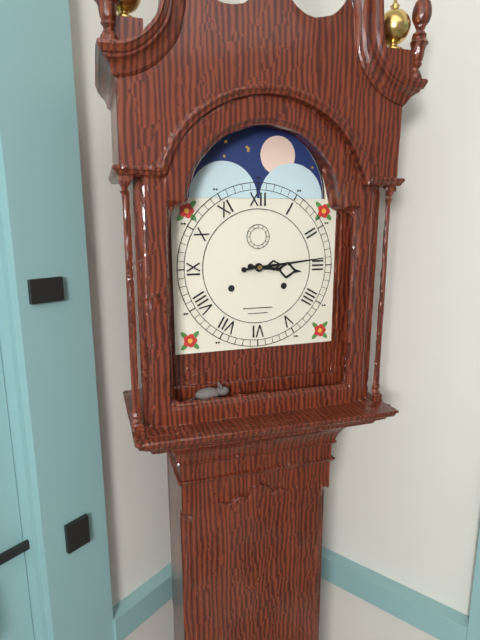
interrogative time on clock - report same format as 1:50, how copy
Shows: 3:14
